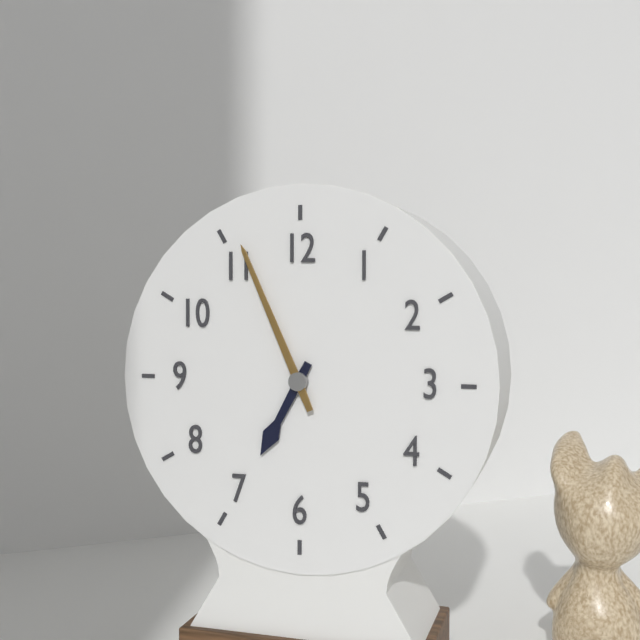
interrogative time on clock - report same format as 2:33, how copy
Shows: 6:56
